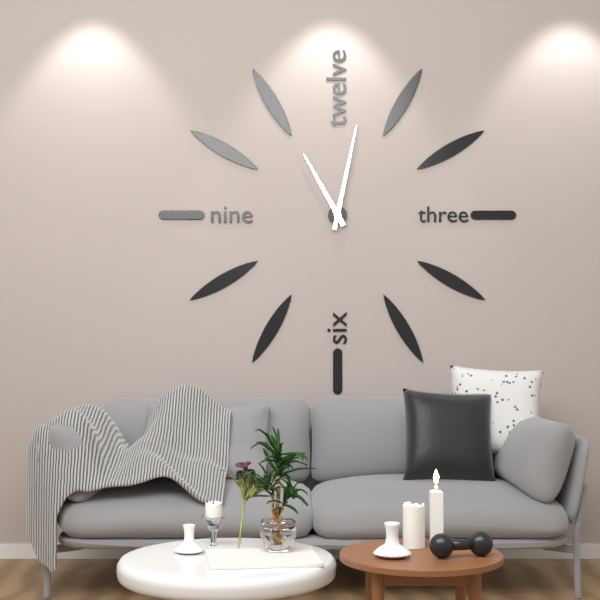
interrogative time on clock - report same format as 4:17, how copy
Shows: 11:02
